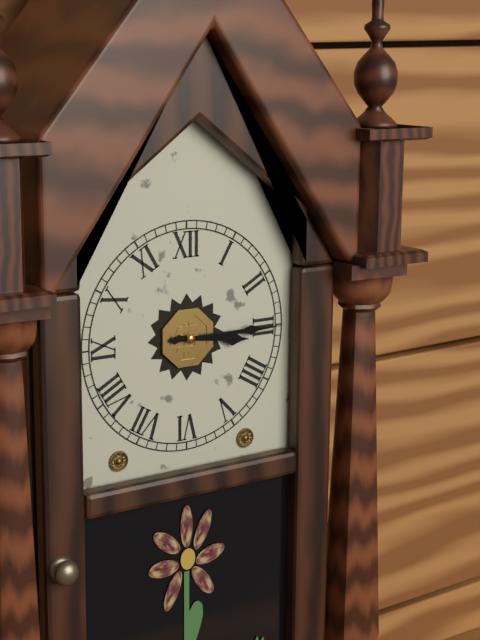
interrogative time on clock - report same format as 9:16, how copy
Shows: 3:15
